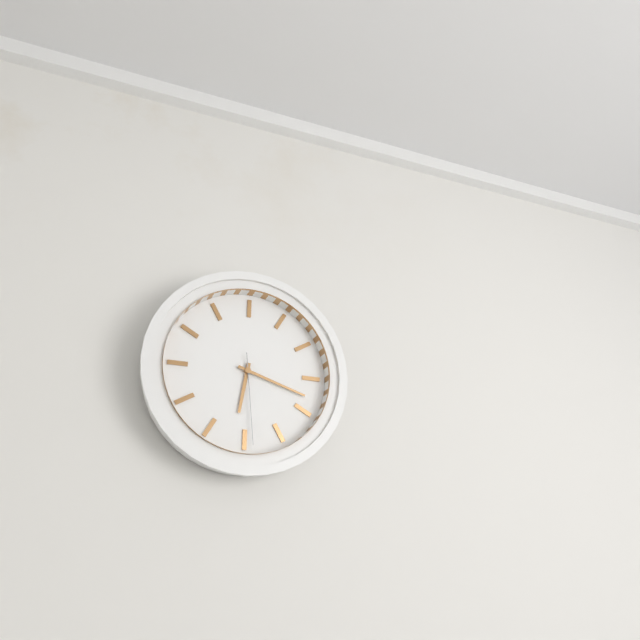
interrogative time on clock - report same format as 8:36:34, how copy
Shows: 6:18:29
